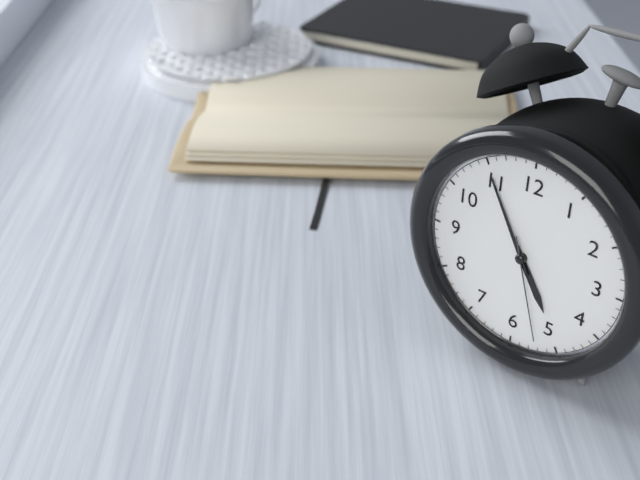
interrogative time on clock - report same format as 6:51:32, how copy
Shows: 4:55:27
